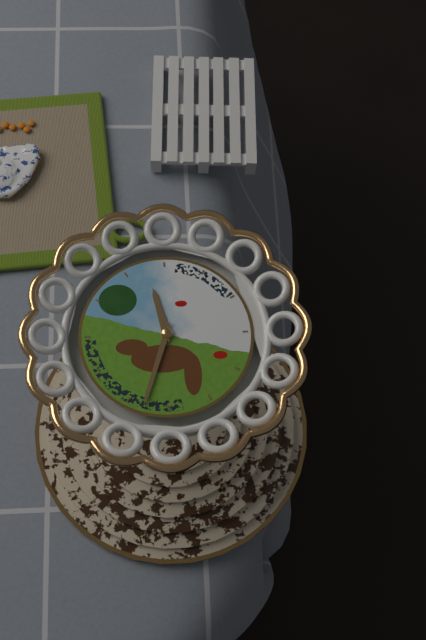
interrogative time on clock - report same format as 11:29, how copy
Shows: 11:33
